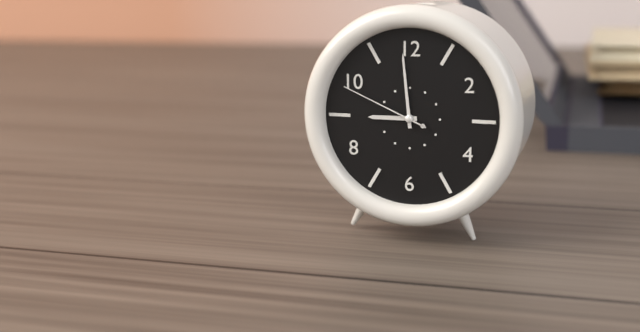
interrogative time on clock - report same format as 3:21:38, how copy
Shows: 8:59:49
